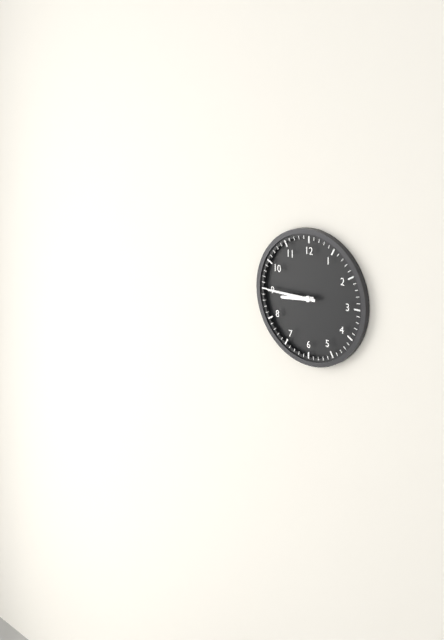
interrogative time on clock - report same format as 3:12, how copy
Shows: 8:45
